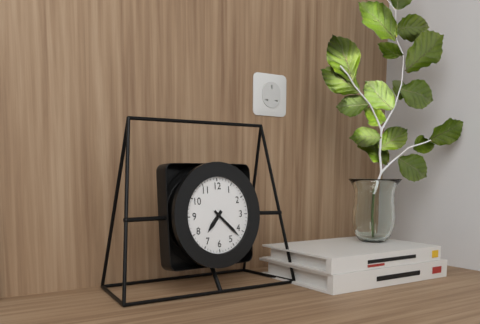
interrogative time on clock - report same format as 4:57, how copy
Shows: 7:22
